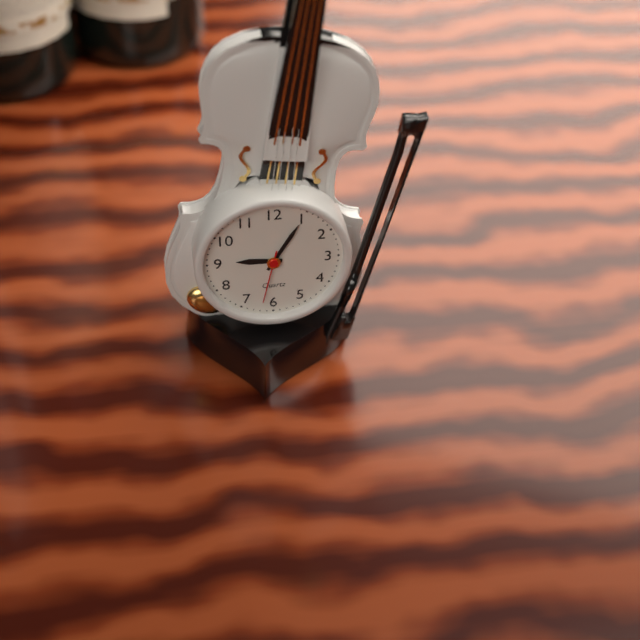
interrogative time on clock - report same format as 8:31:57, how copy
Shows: 9:05:32
